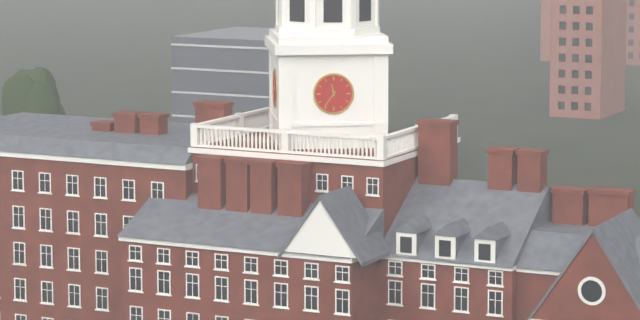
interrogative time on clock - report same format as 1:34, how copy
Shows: 11:36
